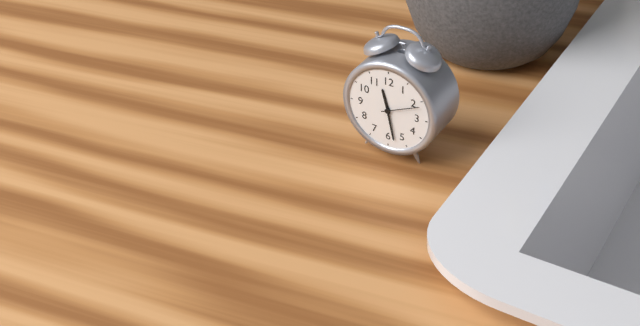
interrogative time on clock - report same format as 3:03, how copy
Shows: 11:28
